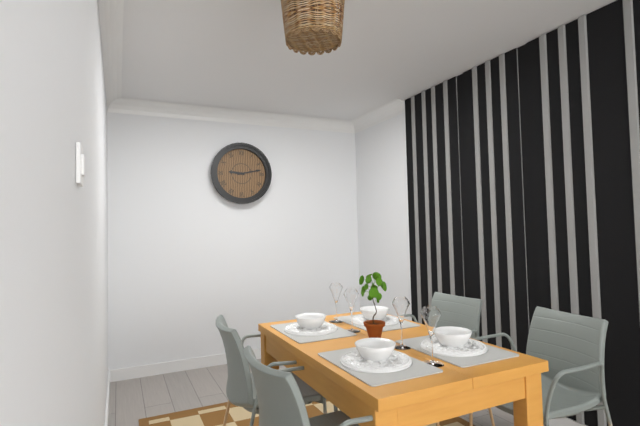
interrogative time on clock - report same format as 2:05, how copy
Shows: 9:13
